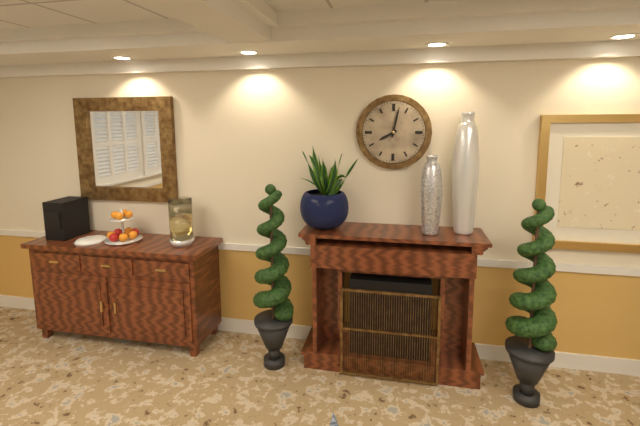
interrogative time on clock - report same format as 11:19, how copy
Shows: 8:02
